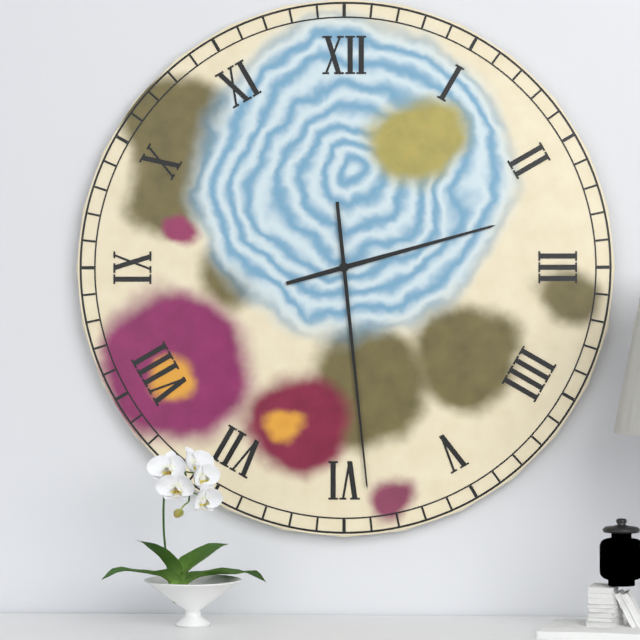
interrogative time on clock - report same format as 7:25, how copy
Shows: 2:29
